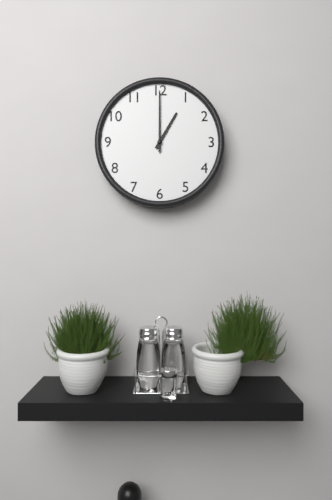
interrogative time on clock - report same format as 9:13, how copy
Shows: 1:00
